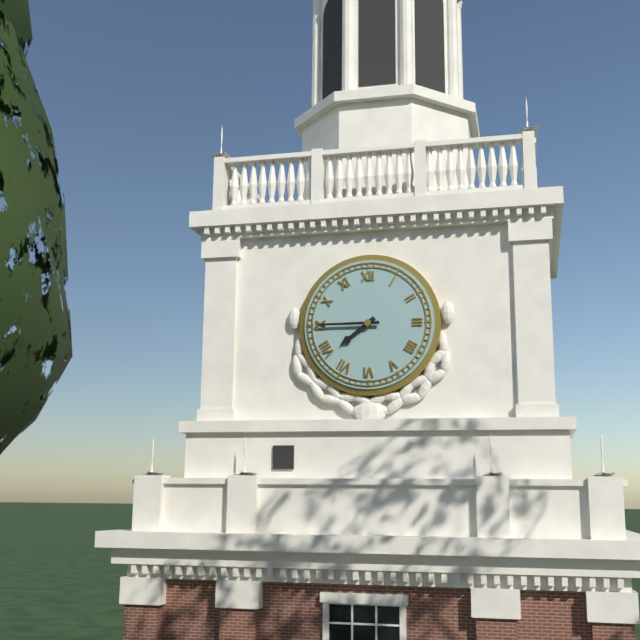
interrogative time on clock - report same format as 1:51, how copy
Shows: 7:45
